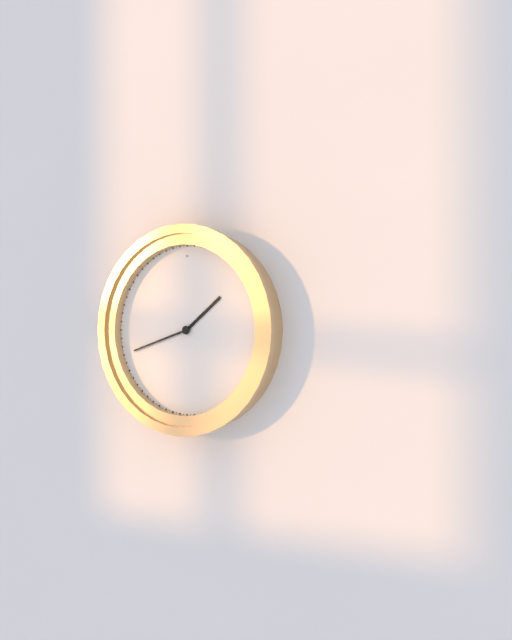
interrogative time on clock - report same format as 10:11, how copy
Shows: 1:42
